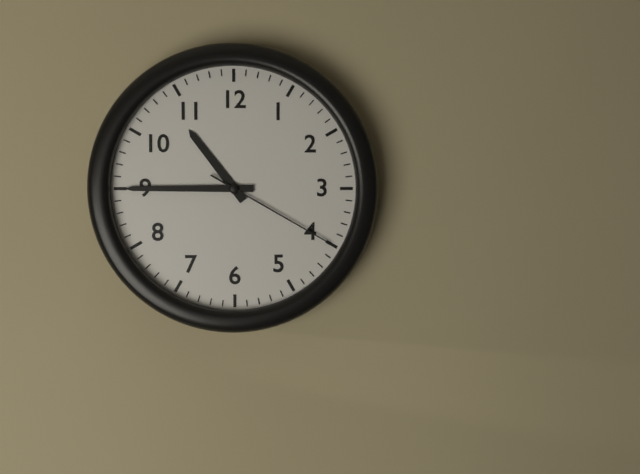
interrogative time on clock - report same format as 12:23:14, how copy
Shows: 10:45:20
